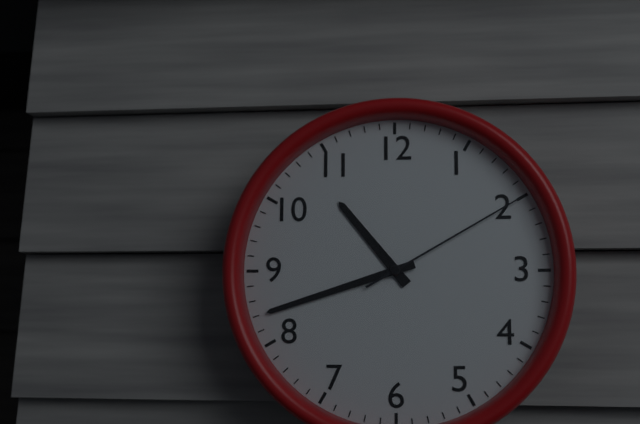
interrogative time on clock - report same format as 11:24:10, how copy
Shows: 10:42:10
